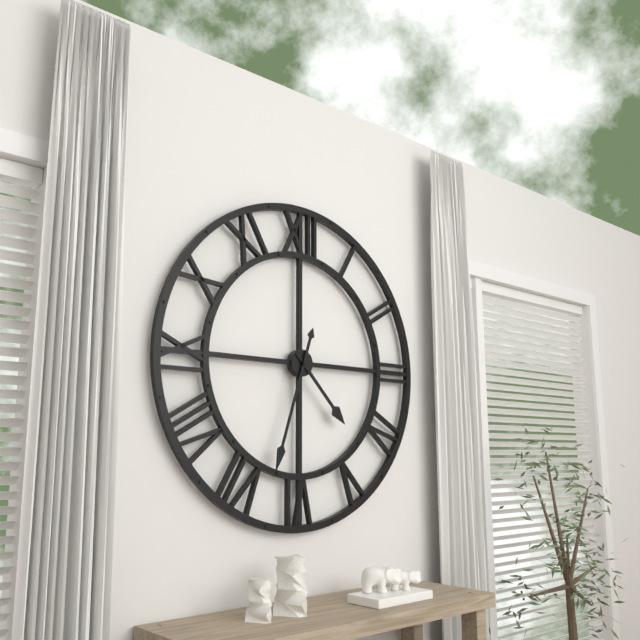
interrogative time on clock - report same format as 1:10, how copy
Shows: 4:33
